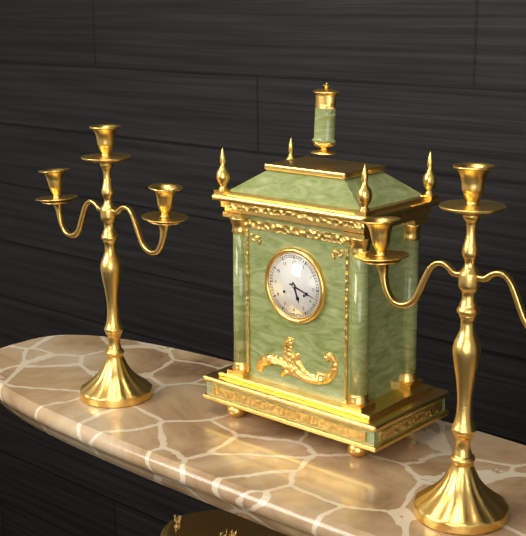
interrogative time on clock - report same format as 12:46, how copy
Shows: 5:18
